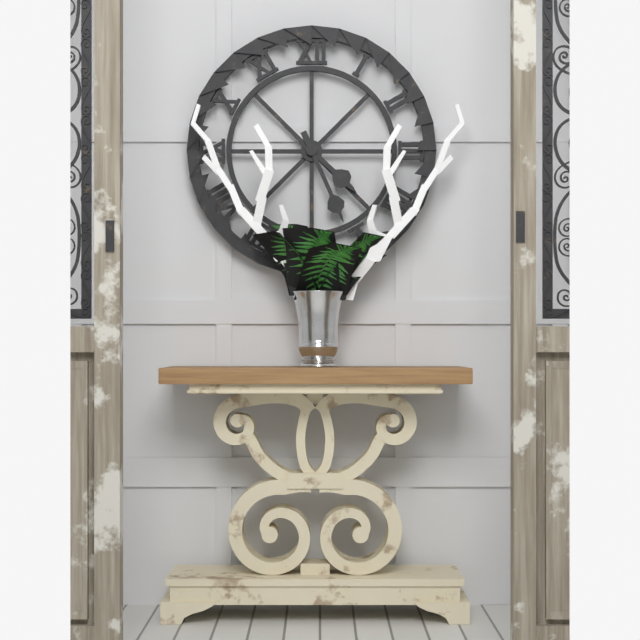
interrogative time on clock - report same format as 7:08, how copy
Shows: 4:26
